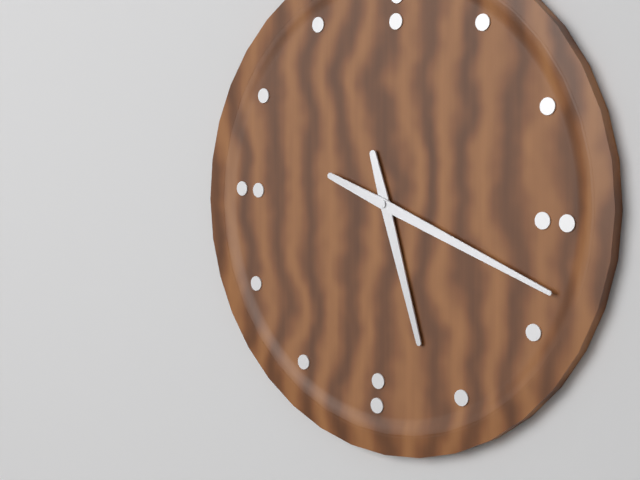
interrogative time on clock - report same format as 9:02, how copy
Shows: 5:18
